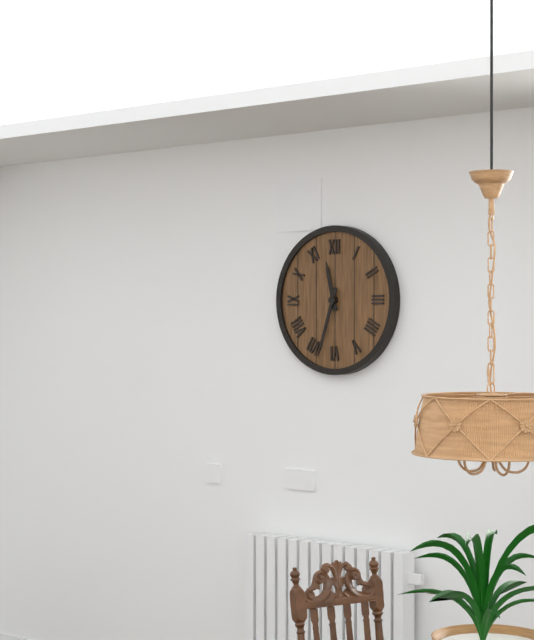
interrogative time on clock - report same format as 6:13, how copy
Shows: 11:33
